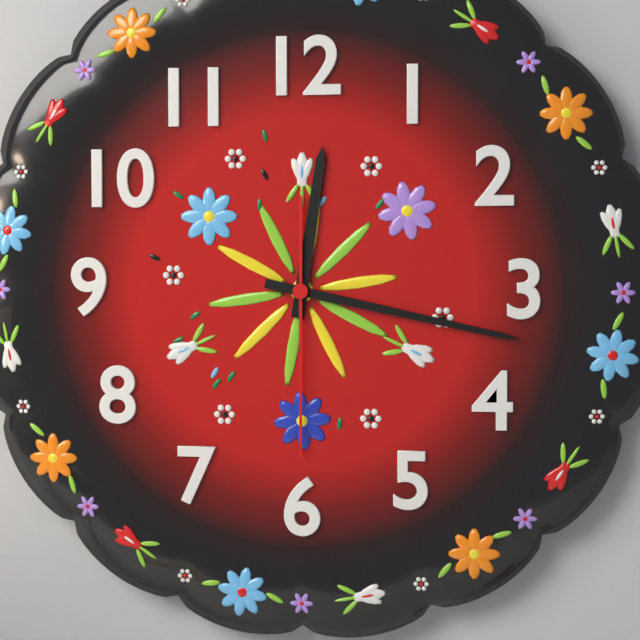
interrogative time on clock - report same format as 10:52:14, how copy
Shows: 12:17:30
